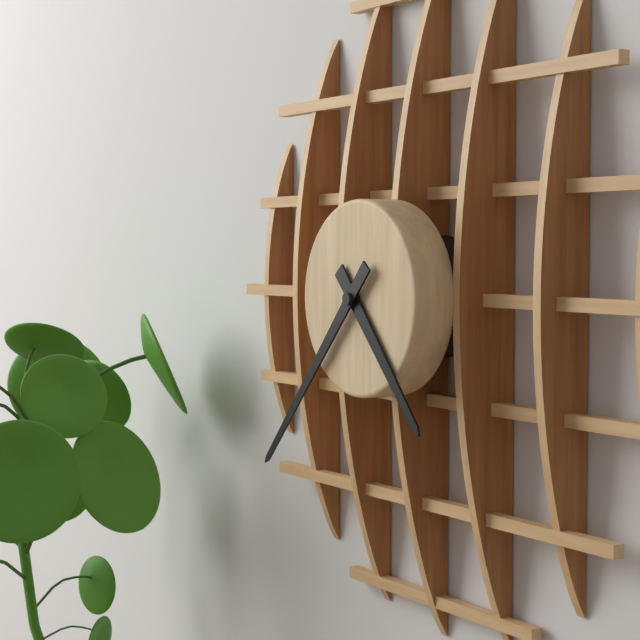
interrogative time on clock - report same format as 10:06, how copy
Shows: 4:37
